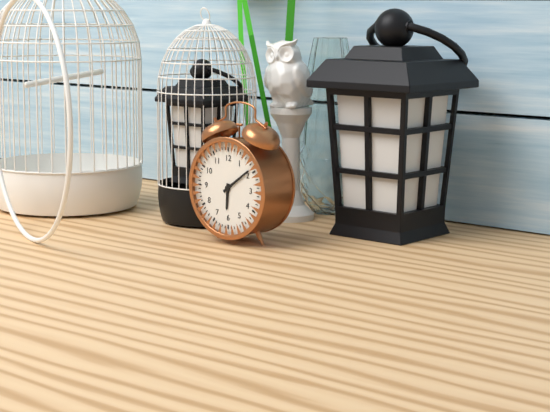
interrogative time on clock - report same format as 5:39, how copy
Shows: 6:09
